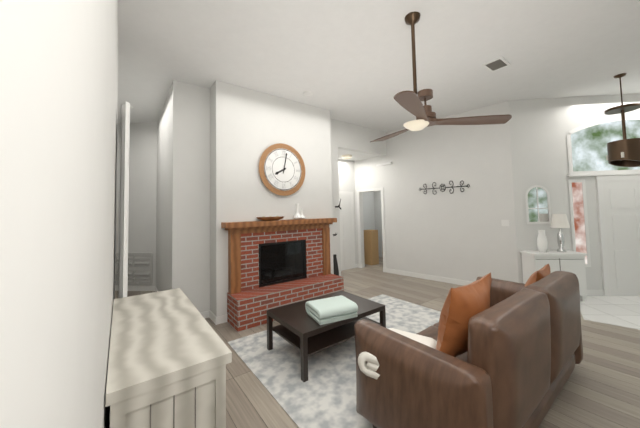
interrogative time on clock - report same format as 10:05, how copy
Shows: 8:02
